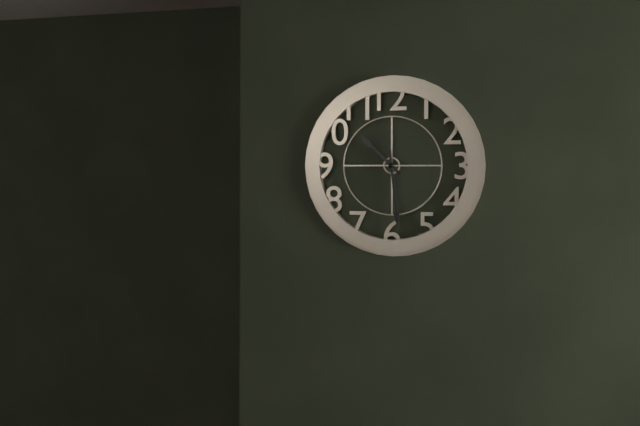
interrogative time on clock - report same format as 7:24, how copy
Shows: 10:29
